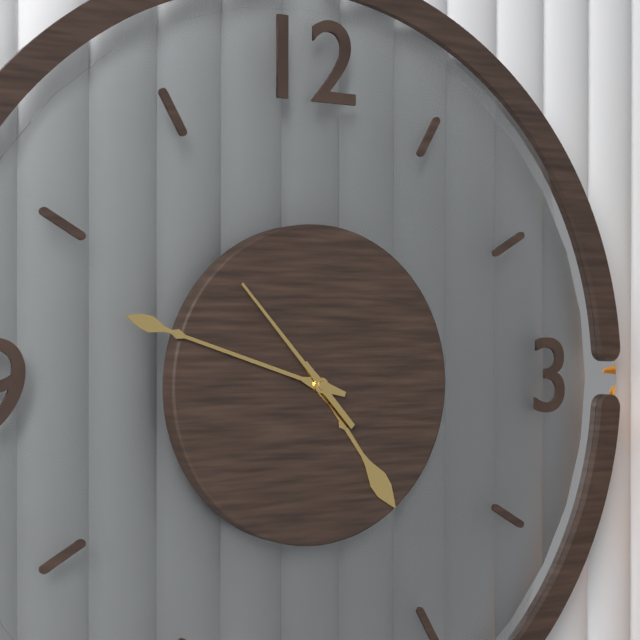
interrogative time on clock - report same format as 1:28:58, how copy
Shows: 4:48:53
